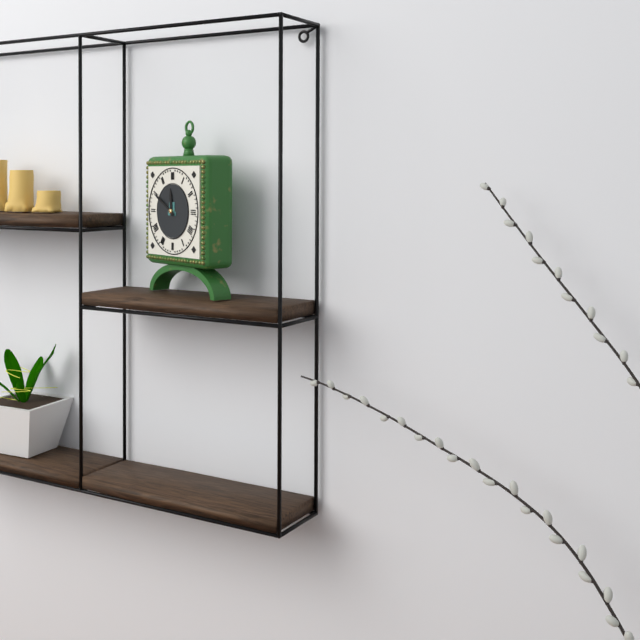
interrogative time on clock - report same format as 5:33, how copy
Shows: 11:50
